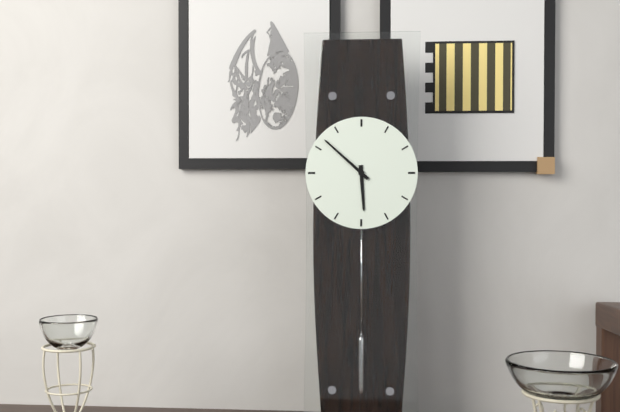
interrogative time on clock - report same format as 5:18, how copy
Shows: 5:52
